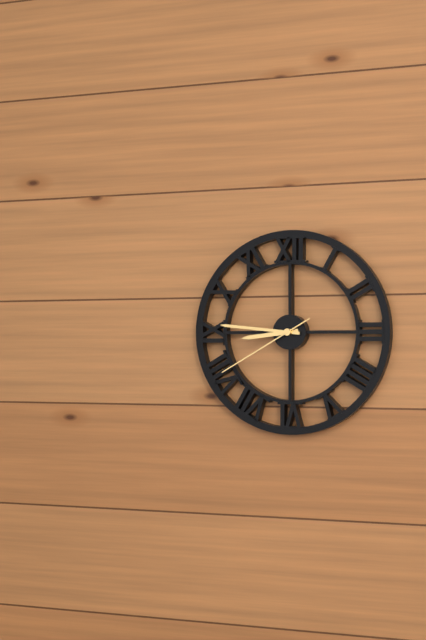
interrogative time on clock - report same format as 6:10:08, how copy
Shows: 8:46:40
